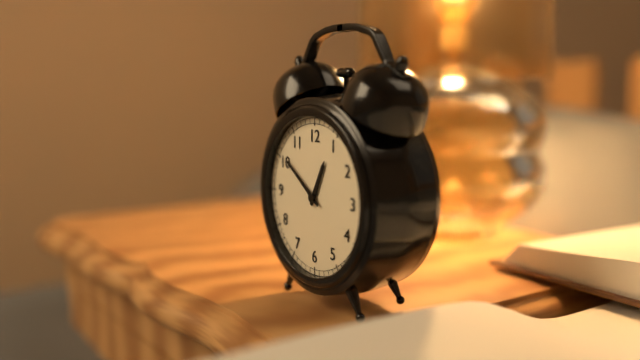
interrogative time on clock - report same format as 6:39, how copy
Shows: 12:51
